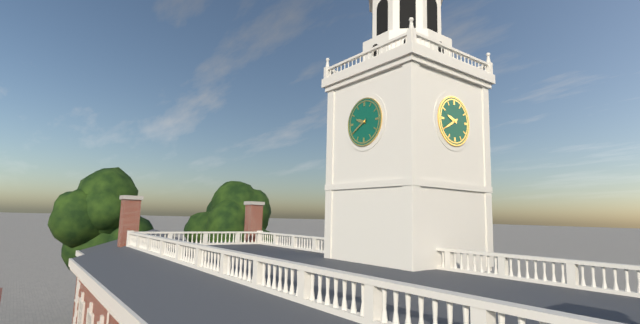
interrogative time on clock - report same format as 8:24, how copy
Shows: 9:40
